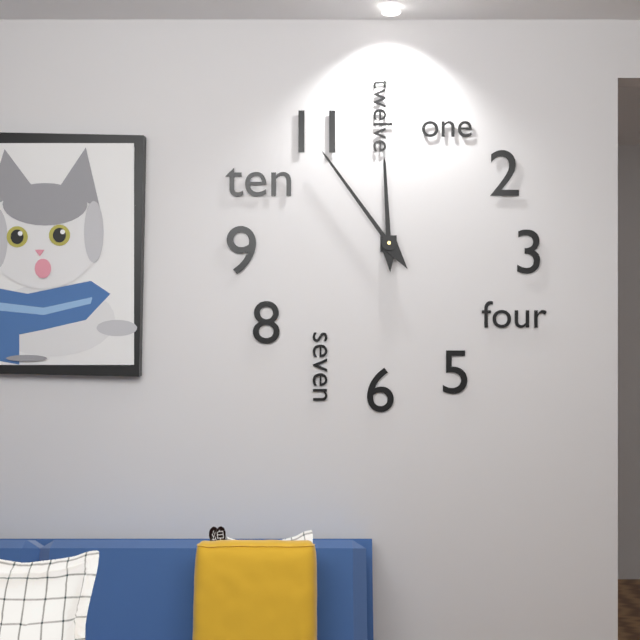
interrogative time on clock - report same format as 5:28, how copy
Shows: 11:54
